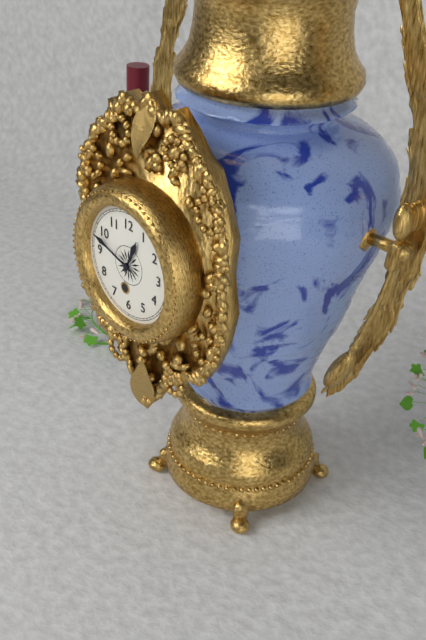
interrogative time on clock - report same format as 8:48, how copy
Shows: 12:48
